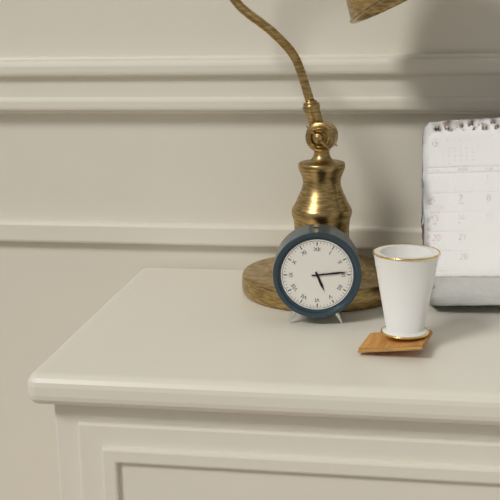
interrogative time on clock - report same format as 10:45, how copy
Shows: 5:14
